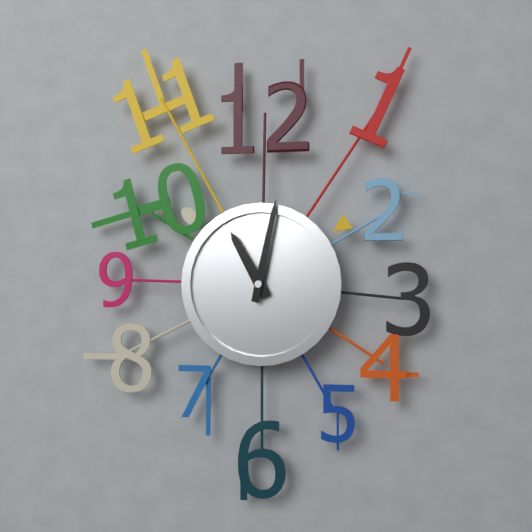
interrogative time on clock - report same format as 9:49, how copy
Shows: 11:02
